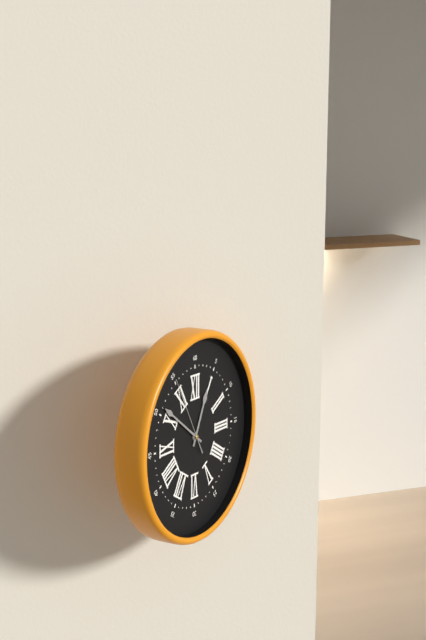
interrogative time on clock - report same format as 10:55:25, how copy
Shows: 12:51:55
